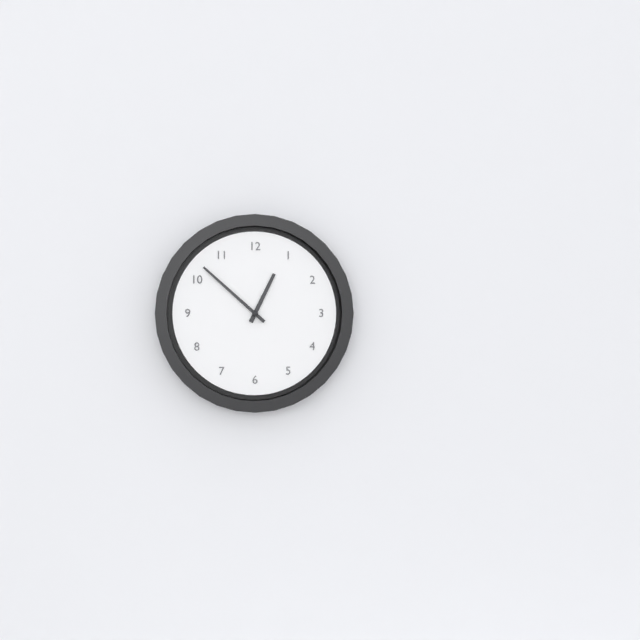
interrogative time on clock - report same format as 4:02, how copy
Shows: 12:52
